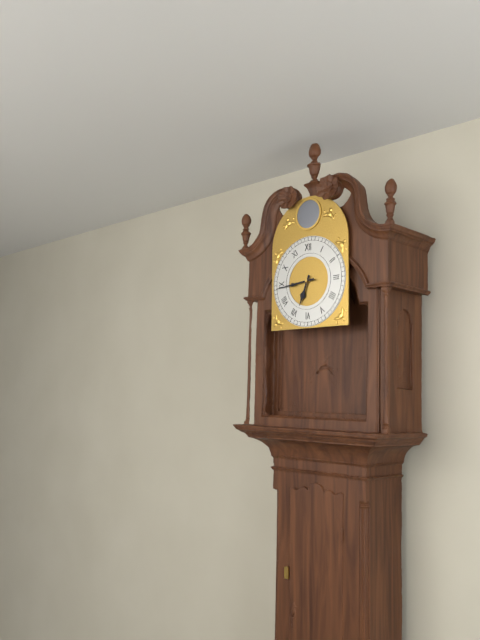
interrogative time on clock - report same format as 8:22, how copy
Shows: 6:44
